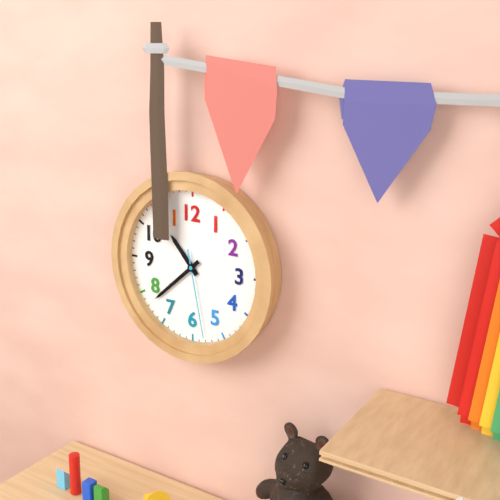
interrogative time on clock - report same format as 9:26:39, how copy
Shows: 10:38:28
